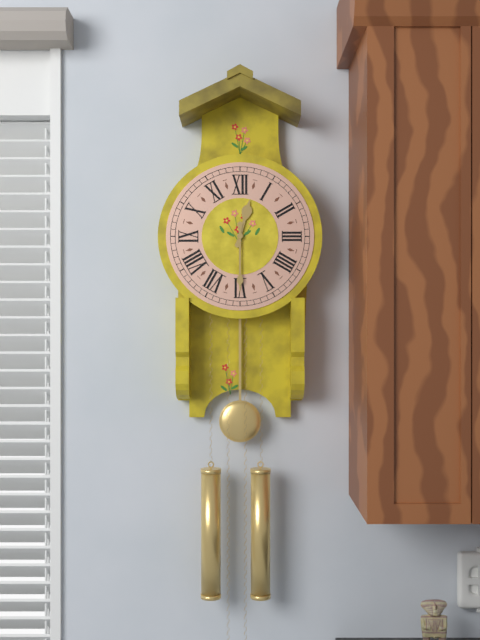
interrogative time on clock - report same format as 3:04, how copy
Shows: 12:30
